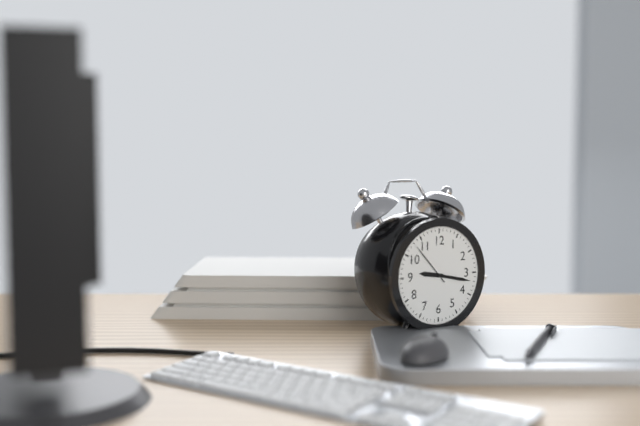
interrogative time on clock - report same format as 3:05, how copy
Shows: 9:17
